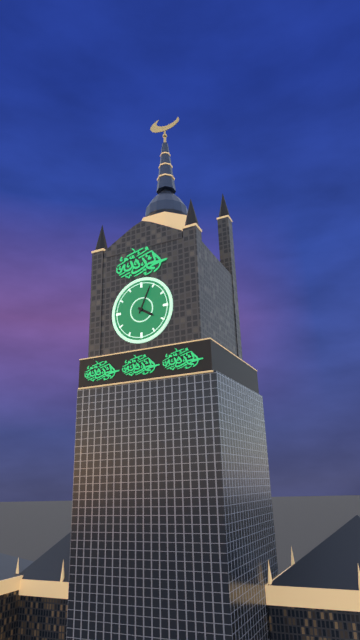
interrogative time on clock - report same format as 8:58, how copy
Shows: 4:04
